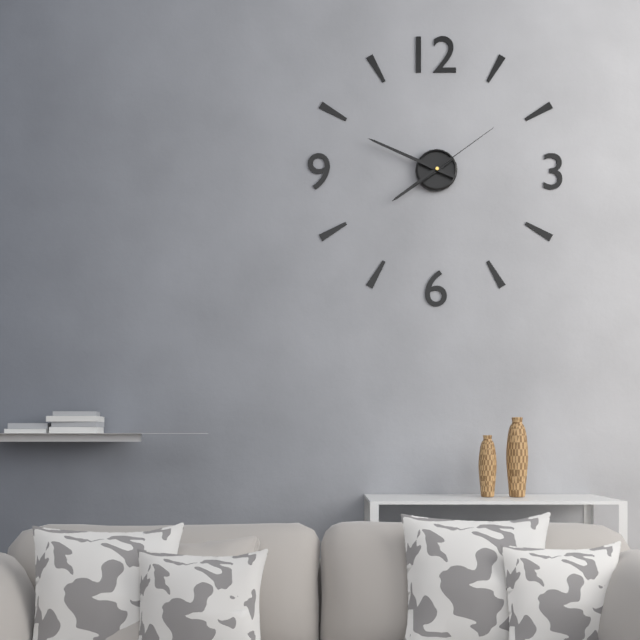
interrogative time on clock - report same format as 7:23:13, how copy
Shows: 7:49:09
